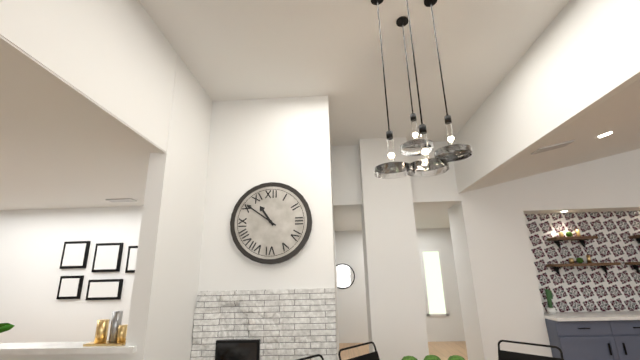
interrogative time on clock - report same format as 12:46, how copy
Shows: 10:51
